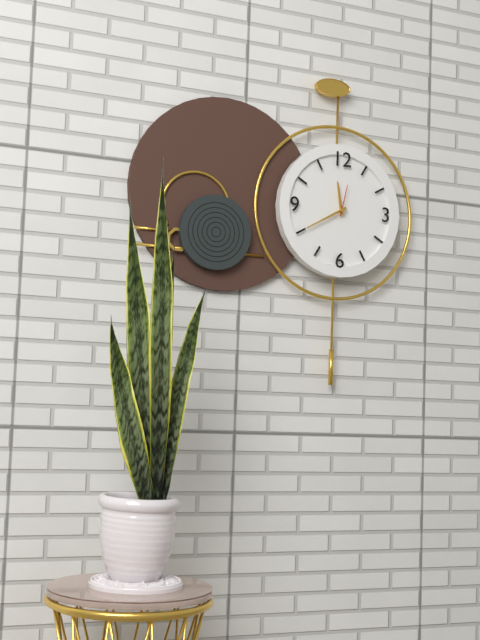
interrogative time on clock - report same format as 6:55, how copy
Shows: 11:40
